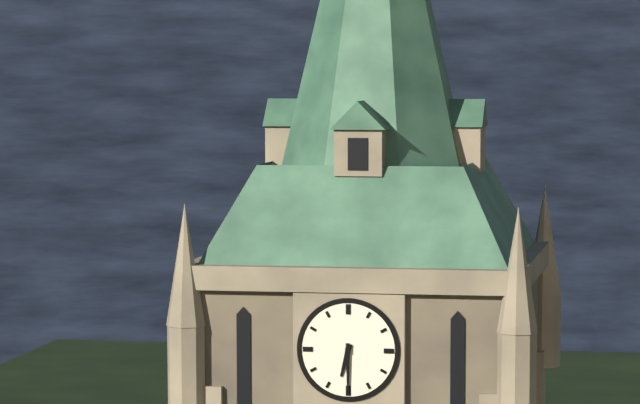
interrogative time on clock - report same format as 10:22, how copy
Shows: 6:30
